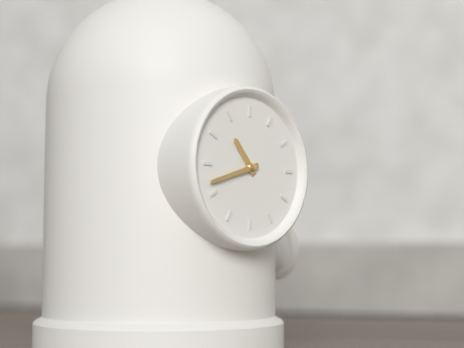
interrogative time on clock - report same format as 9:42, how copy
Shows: 10:42
